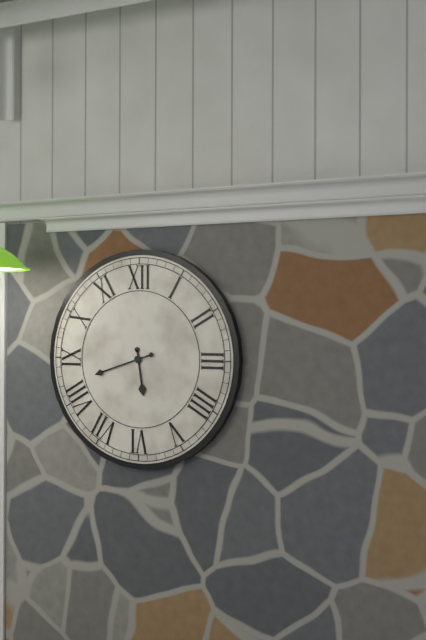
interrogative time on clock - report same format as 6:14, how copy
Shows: 5:42
